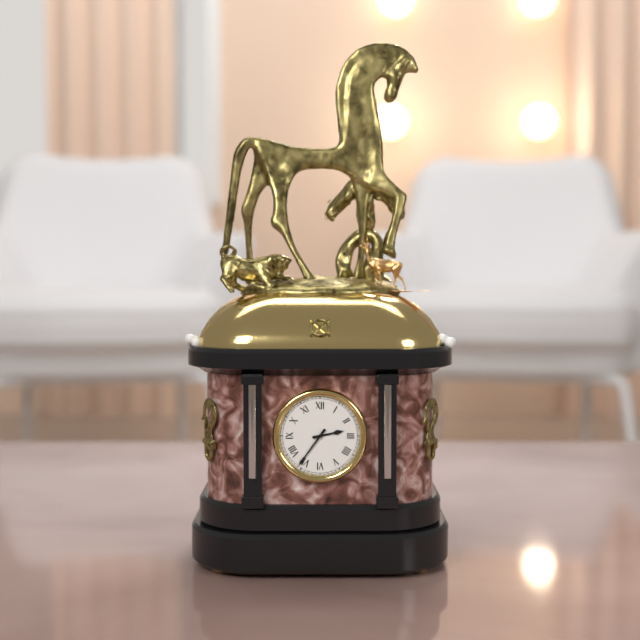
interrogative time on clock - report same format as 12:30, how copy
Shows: 2:36
